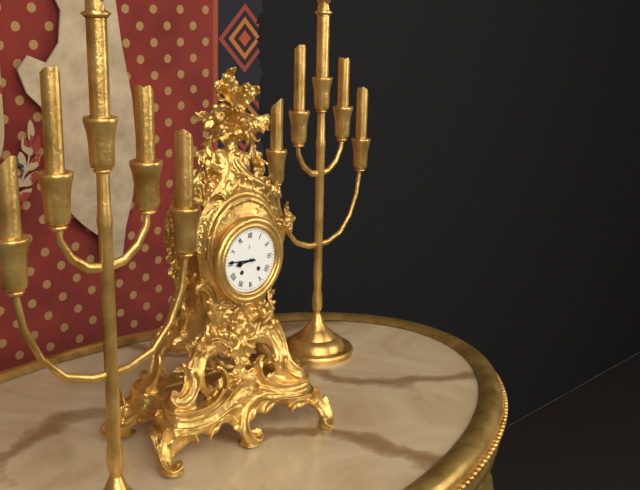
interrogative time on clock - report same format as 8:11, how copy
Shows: 8:46
